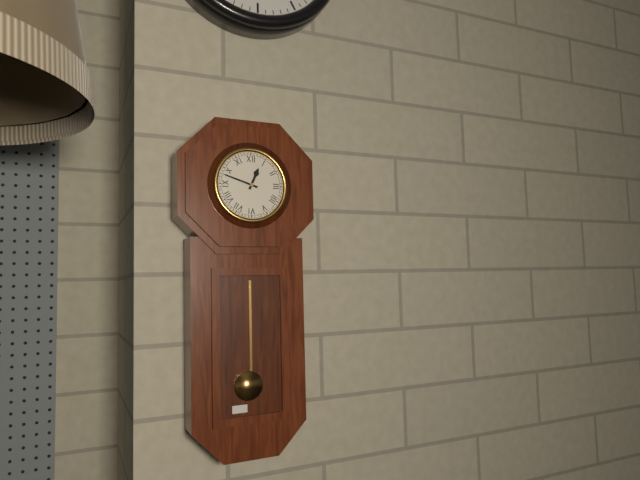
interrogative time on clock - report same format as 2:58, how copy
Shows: 12:48
